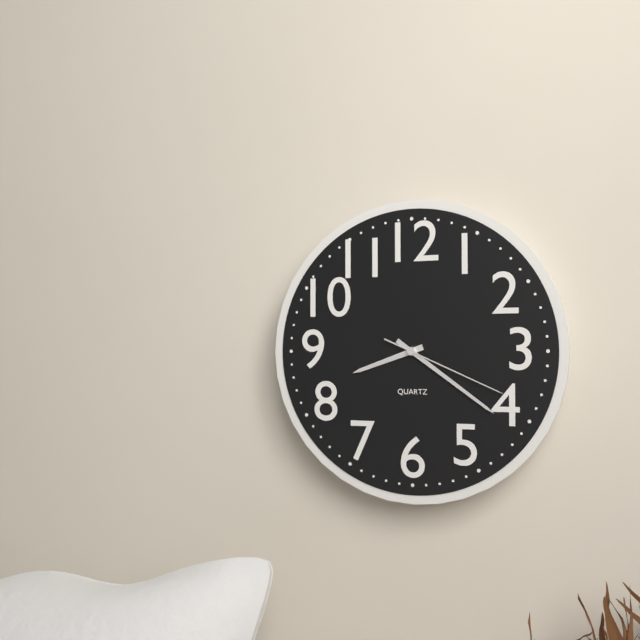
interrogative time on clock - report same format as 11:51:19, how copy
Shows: 8:21:19
